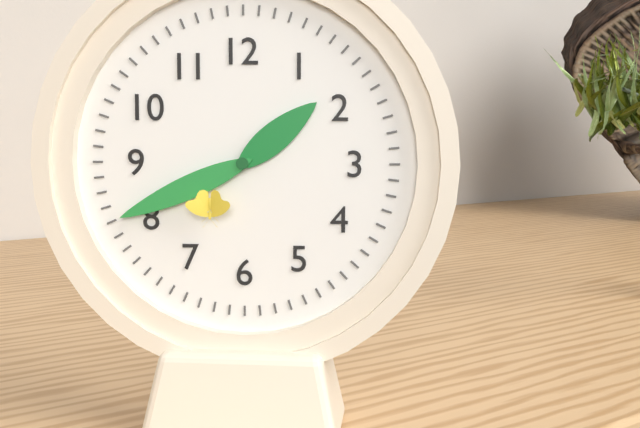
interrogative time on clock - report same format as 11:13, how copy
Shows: 1:41
